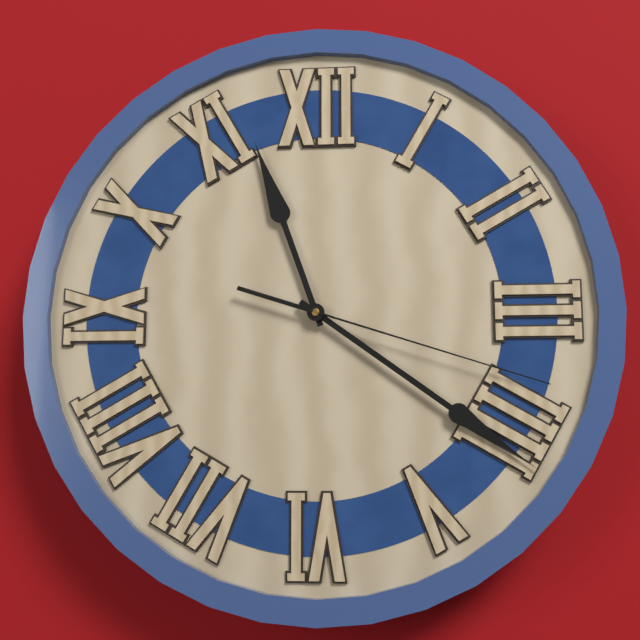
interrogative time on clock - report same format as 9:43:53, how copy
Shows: 11:21:18
